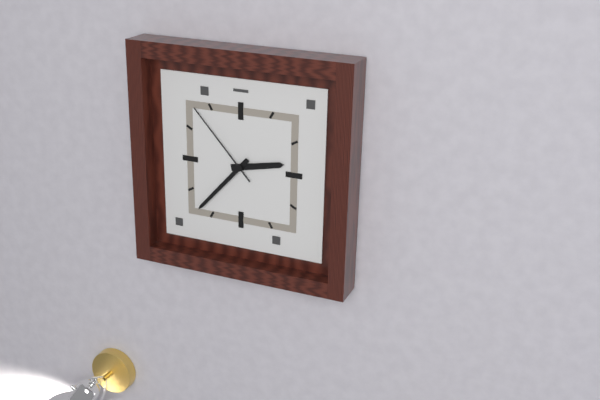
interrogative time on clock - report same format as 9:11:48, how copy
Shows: 2:37:53
